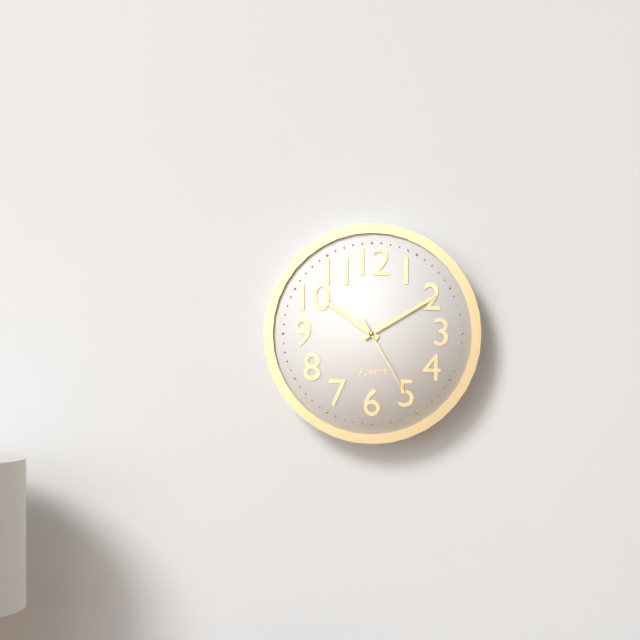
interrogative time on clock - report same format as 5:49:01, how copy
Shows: 10:10:25
